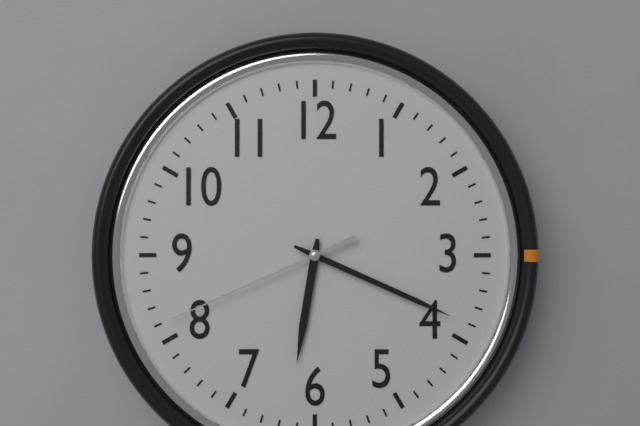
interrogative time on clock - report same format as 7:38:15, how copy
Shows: 6:19:41
